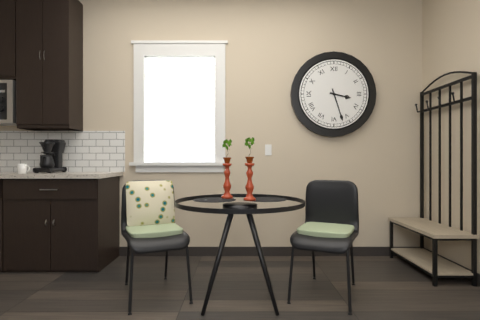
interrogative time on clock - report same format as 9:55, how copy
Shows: 3:27
